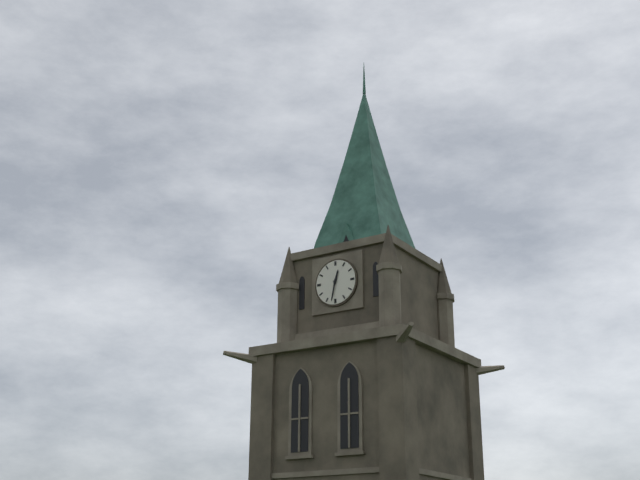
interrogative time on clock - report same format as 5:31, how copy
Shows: 12:32
